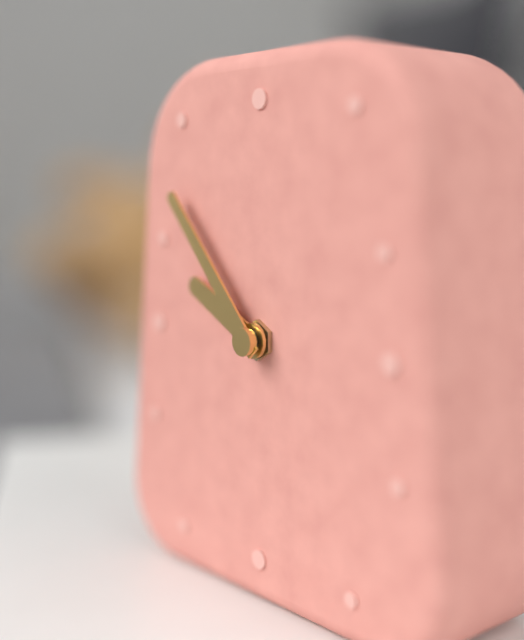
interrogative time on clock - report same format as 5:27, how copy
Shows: 9:53
